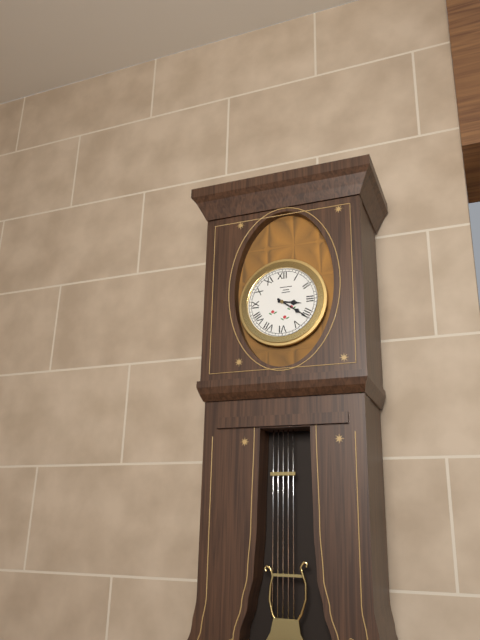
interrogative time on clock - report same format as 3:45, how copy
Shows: 3:21
